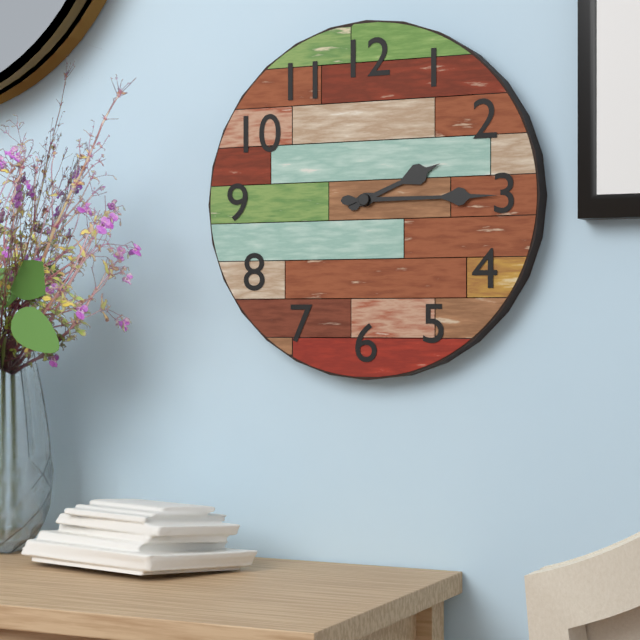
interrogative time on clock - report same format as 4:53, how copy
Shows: 2:15
